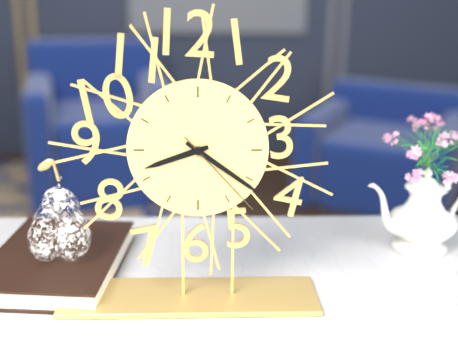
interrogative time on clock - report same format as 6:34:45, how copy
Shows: 8:21:23
